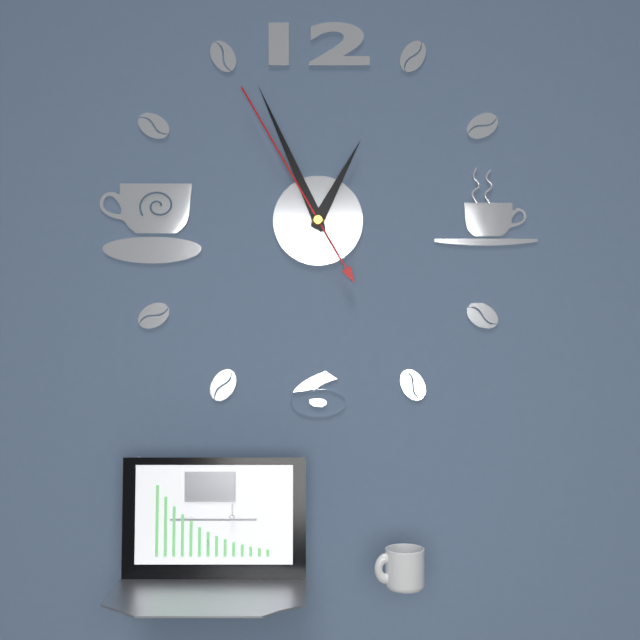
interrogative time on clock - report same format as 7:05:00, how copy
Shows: 12:56:55
